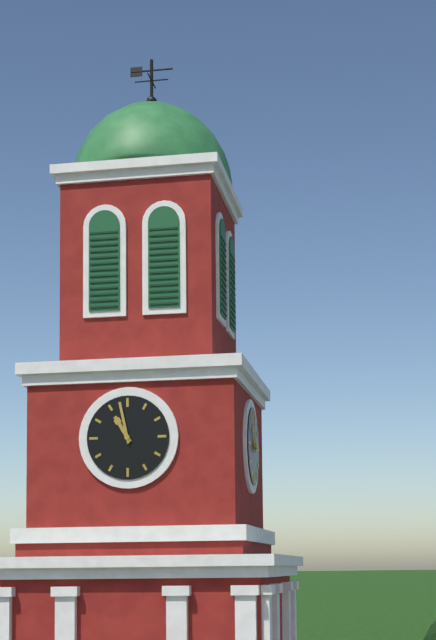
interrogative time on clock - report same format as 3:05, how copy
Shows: 10:58
